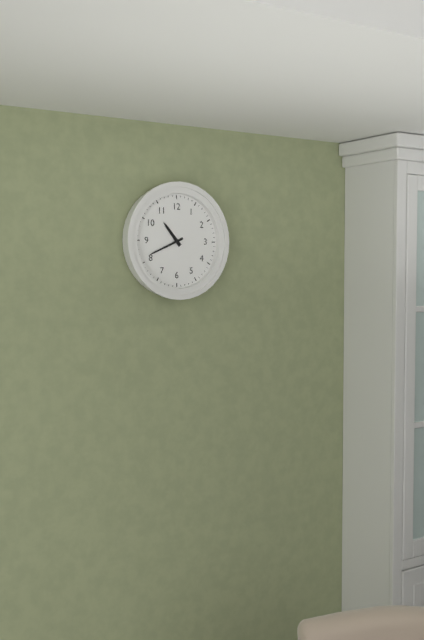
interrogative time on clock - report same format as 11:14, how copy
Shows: 10:41
